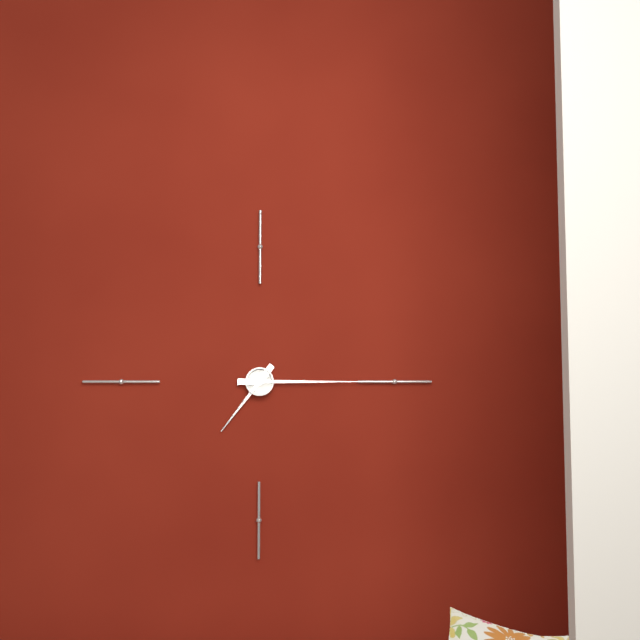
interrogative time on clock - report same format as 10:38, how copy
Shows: 7:15
